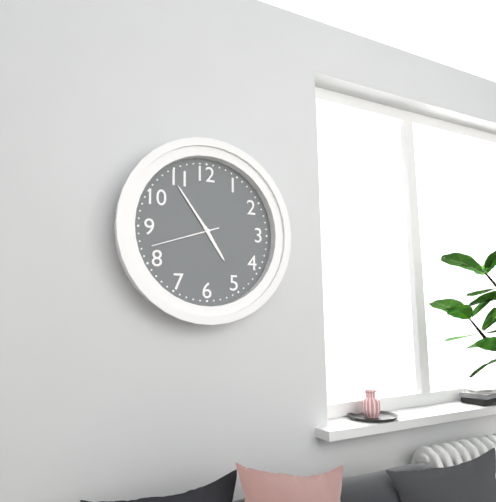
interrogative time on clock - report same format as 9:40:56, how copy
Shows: 4:54:42
